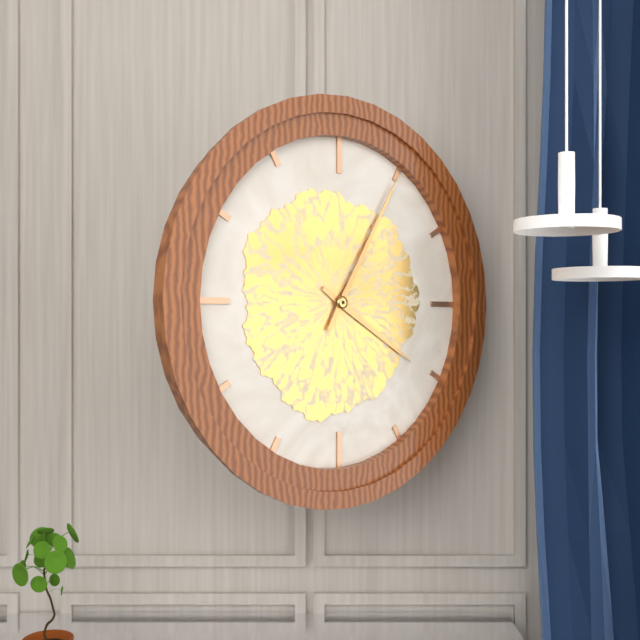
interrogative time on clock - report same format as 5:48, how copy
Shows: 4:05
